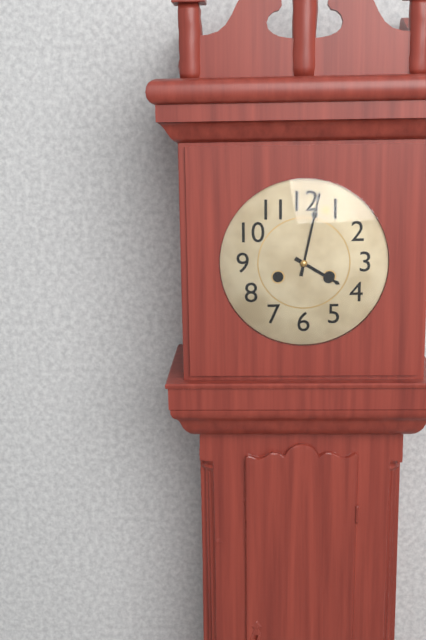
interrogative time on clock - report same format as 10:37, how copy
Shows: 4:02
